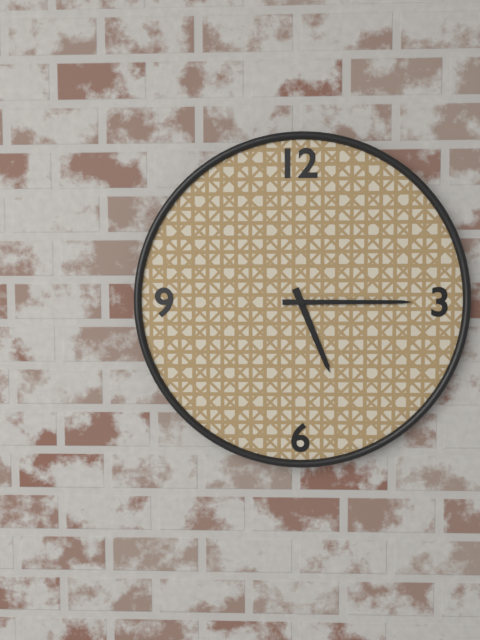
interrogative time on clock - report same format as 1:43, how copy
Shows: 5:15
